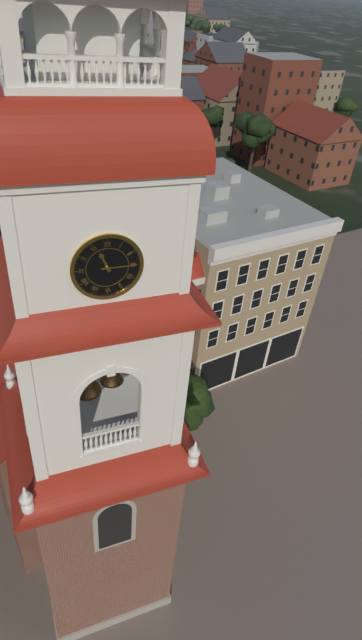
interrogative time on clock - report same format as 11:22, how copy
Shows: 11:15
